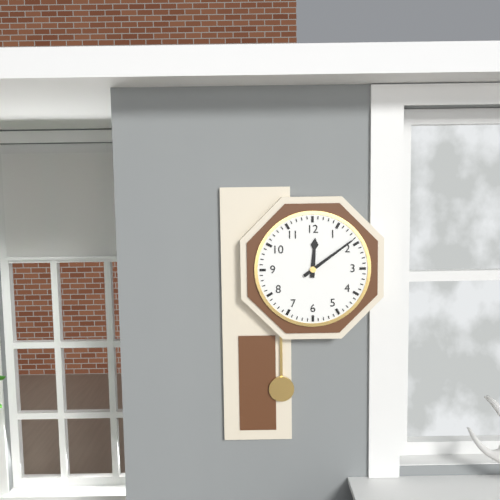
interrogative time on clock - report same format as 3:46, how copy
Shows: 12:09
